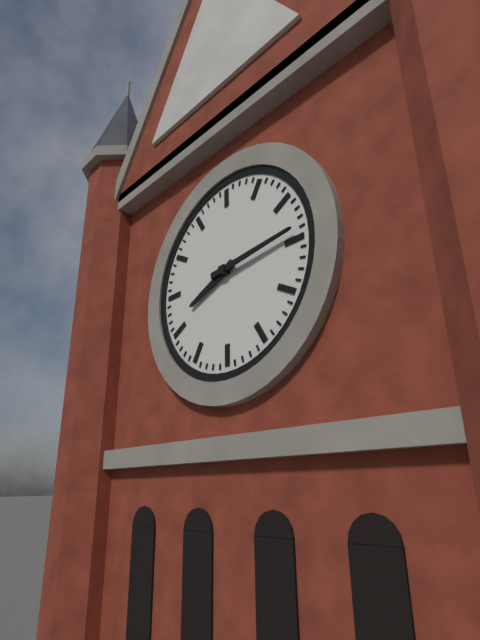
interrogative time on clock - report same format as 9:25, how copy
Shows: 8:14
